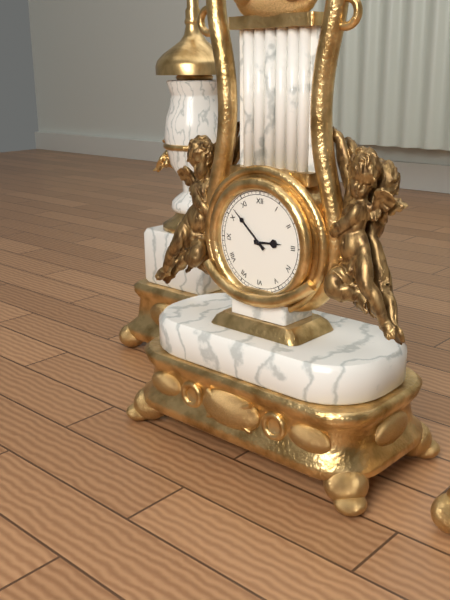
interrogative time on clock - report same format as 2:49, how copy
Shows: 2:52
